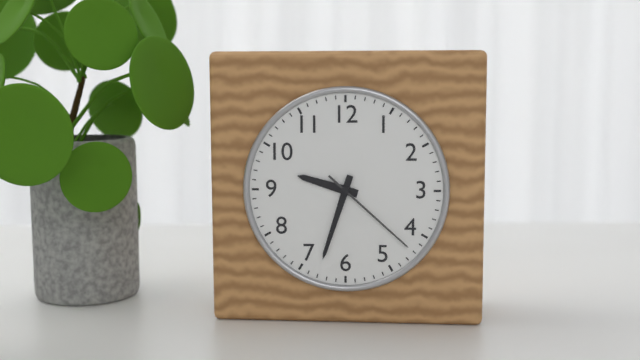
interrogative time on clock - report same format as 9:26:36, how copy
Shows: 9:33:22
